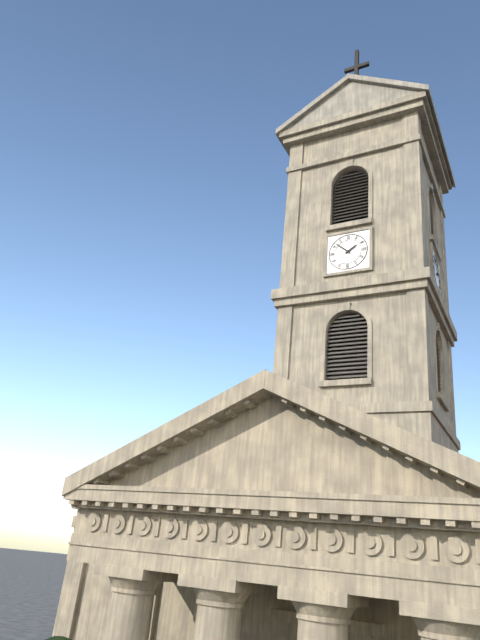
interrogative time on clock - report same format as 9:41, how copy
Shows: 1:52
